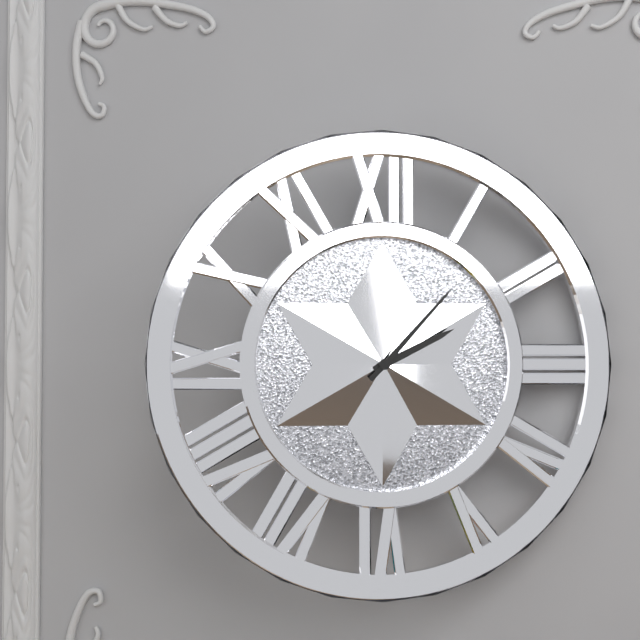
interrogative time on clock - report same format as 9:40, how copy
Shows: 2:07
